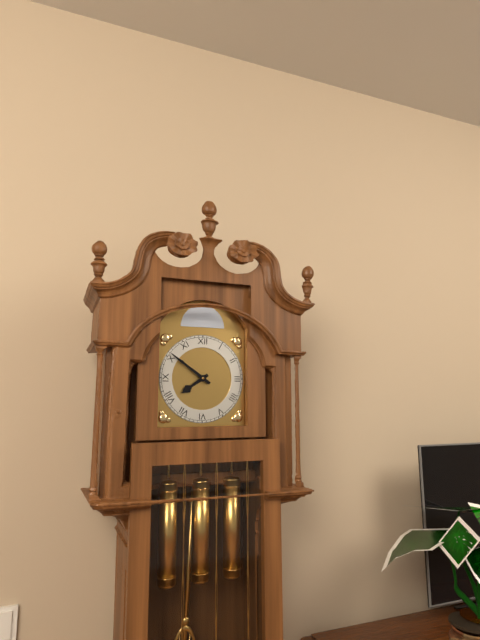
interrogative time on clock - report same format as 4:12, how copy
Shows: 7:51
